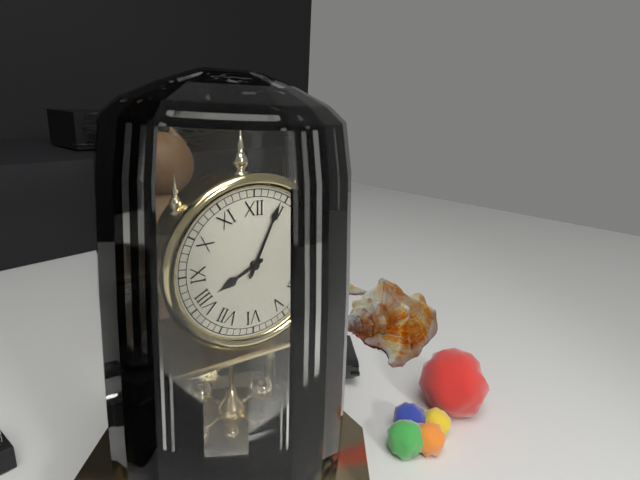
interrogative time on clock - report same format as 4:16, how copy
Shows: 8:04
